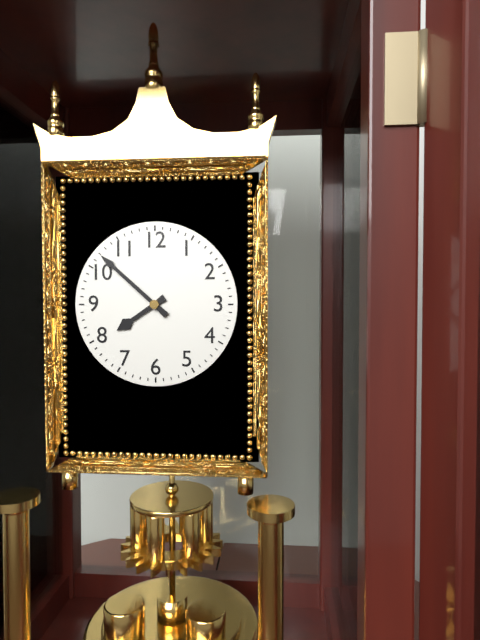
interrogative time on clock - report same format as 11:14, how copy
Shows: 7:52
